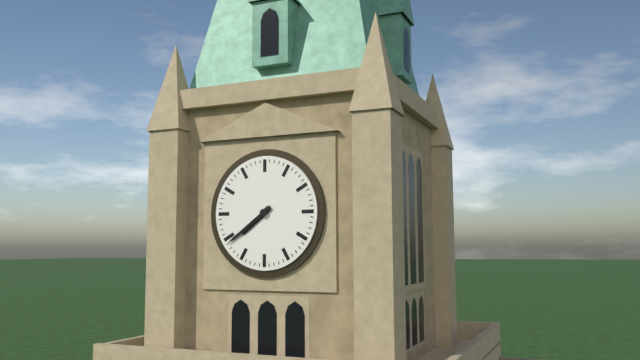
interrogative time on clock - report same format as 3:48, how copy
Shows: 7:39
